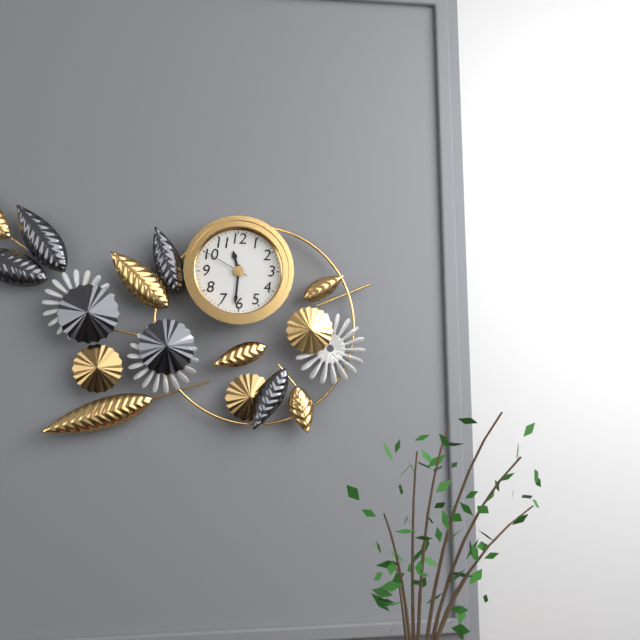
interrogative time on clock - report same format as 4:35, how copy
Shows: 11:31
